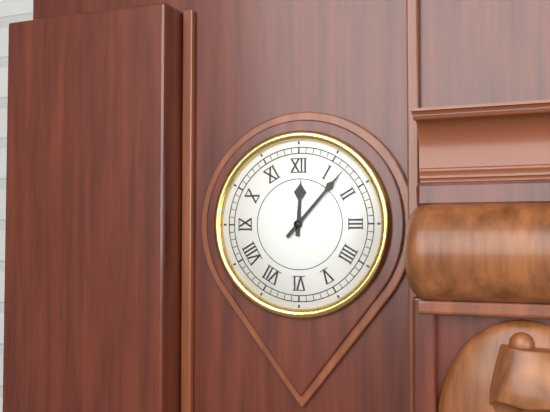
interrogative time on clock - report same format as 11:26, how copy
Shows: 12:07
